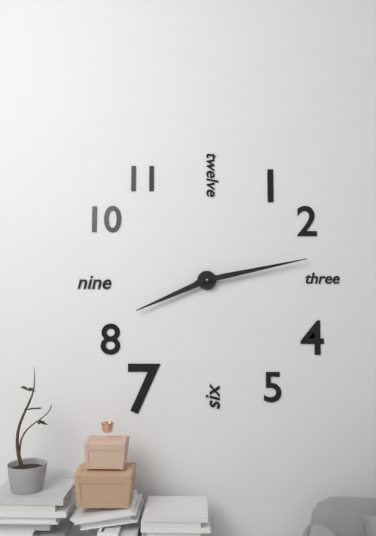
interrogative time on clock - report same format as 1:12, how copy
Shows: 8:13
